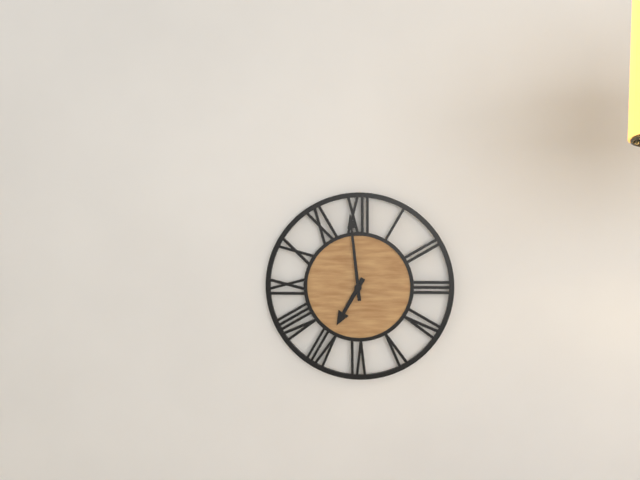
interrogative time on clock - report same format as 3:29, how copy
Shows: 6:59
